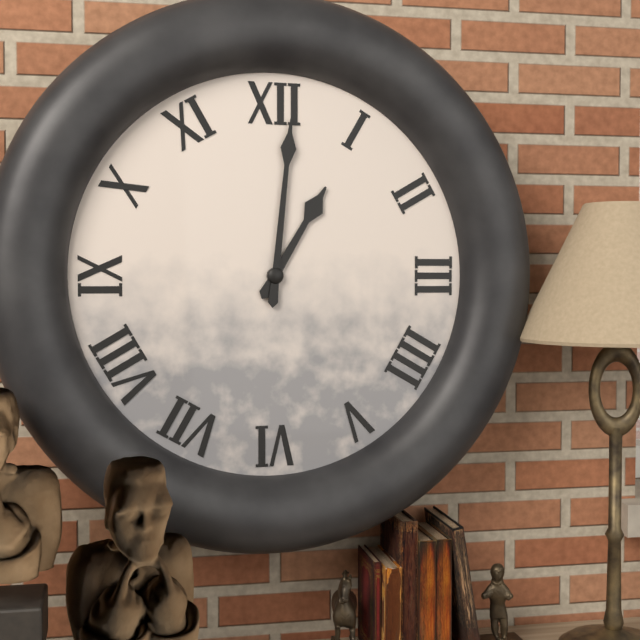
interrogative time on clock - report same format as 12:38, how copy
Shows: 1:01
